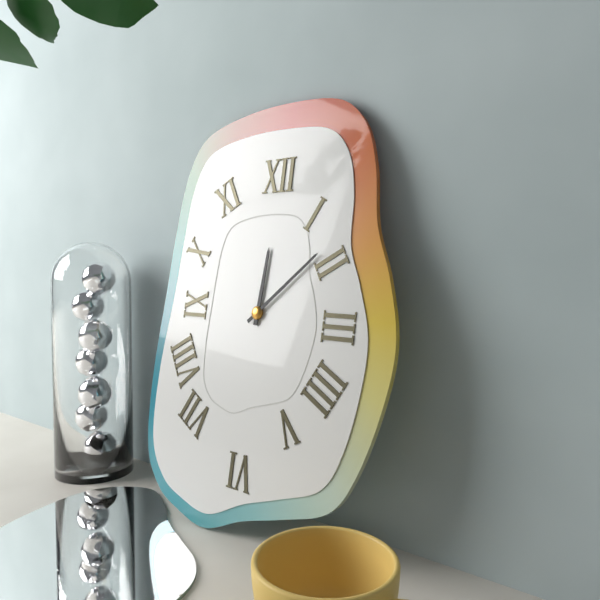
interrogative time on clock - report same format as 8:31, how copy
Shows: 12:08
